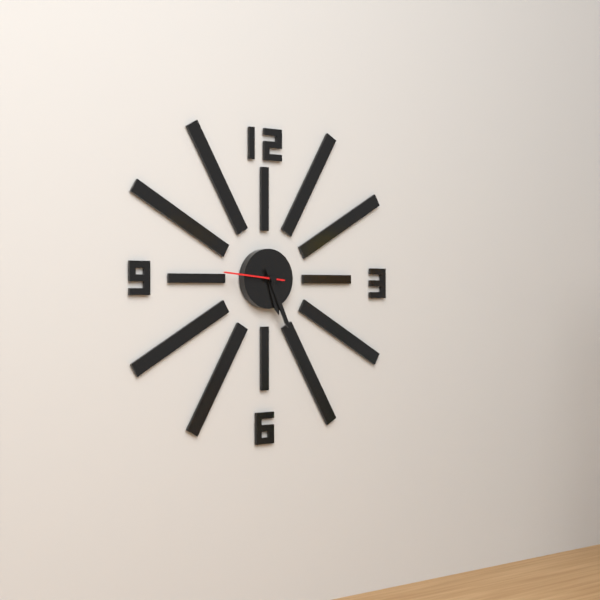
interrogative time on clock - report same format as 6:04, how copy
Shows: 5:26
